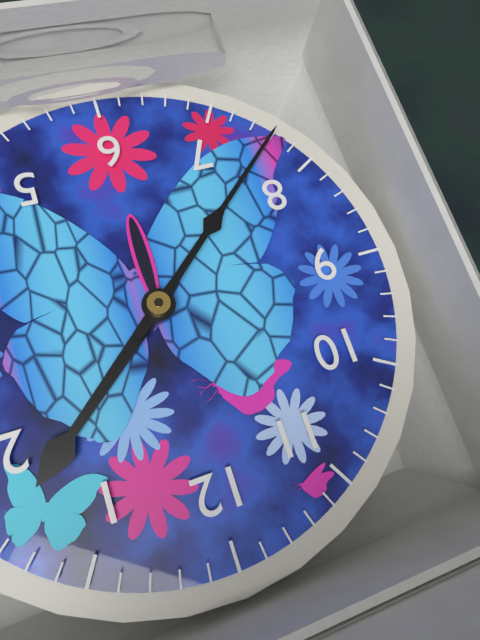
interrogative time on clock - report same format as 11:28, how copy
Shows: 1:38
